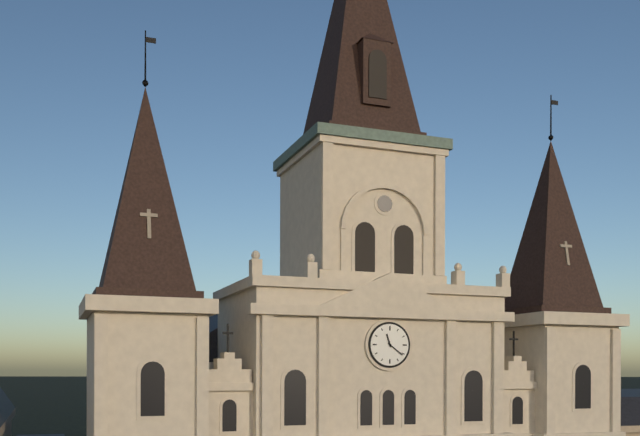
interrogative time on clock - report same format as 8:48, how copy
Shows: 11:21
